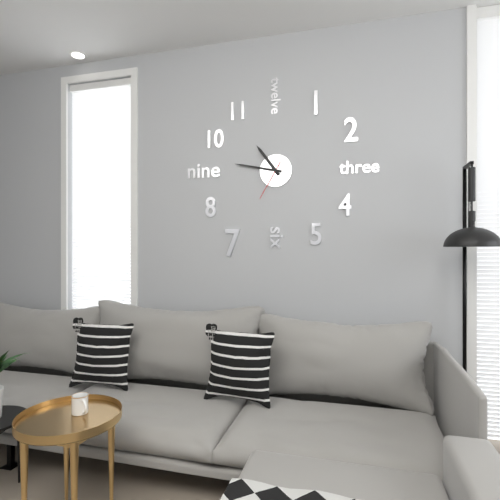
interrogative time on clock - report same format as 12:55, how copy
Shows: 10:47
